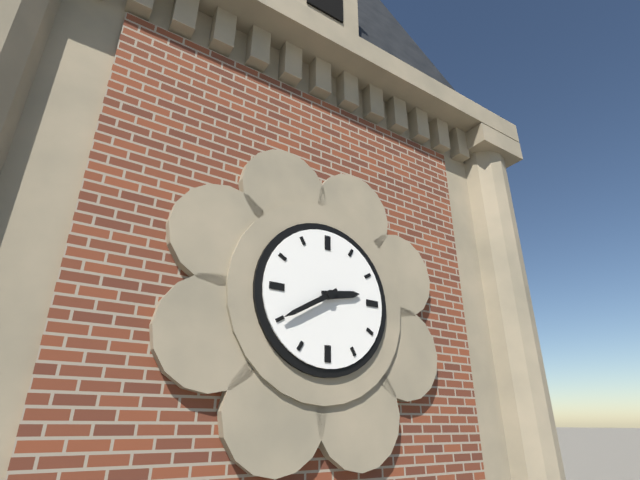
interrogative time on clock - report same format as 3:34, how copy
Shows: 2:40
